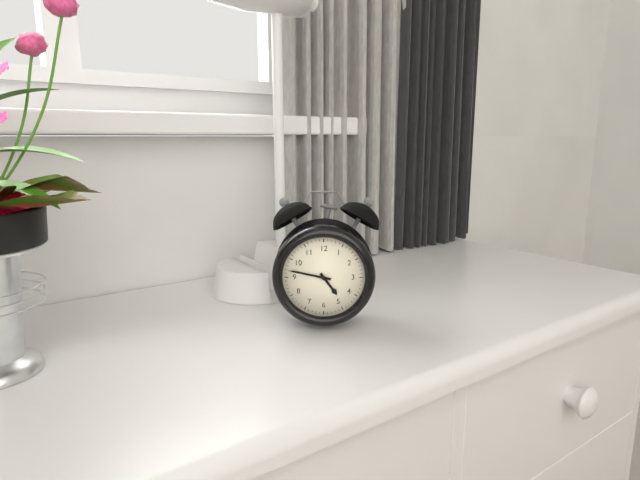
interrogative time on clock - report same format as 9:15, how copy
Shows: 4:47
